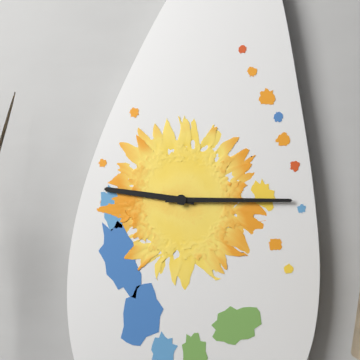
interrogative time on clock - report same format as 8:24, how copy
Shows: 9:15
